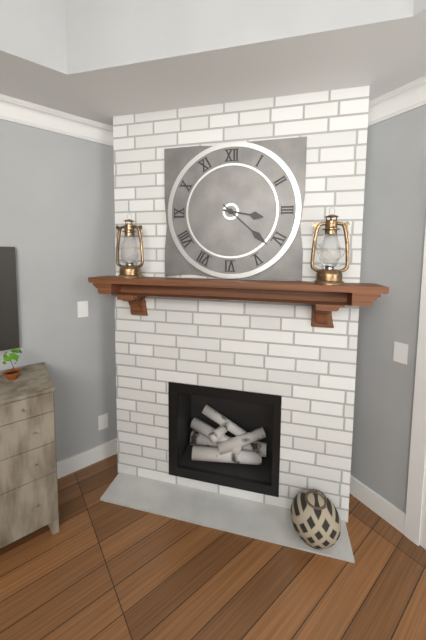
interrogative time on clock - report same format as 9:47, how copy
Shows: 3:22
